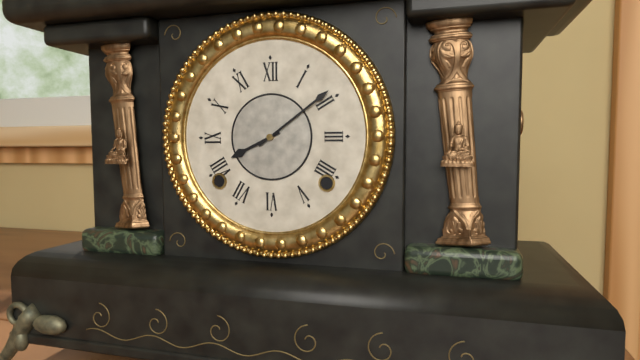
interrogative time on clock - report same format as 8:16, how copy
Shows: 8:09
